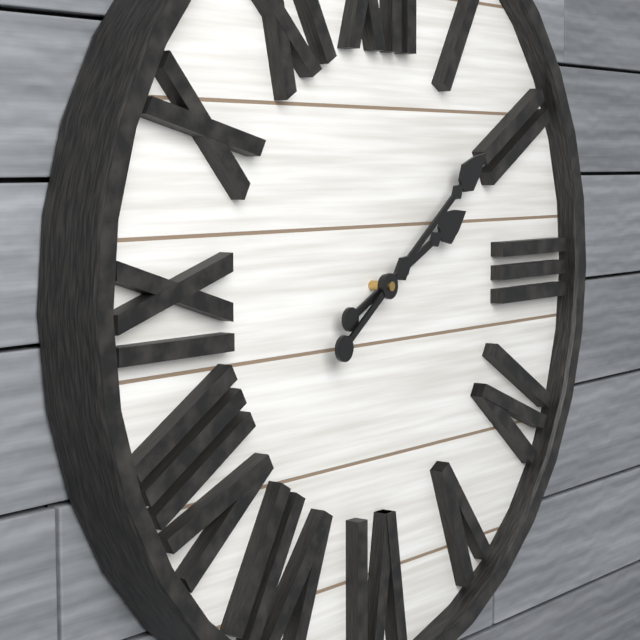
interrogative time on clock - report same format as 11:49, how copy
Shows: 2:09
